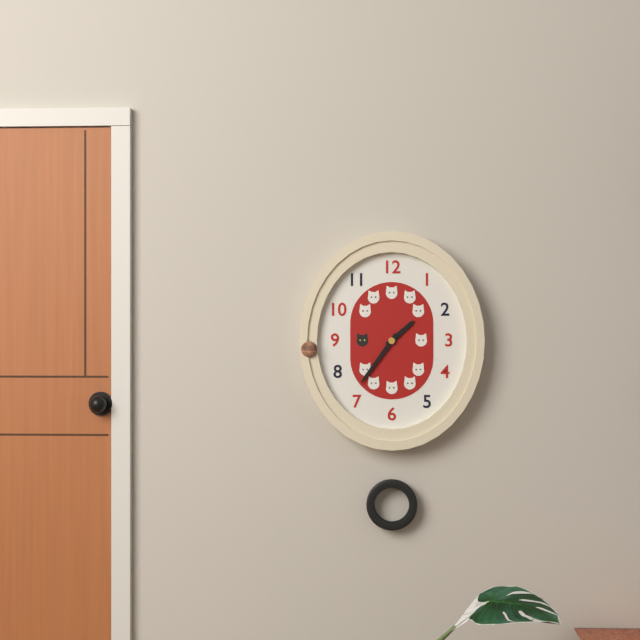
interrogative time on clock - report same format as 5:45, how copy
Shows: 1:36
